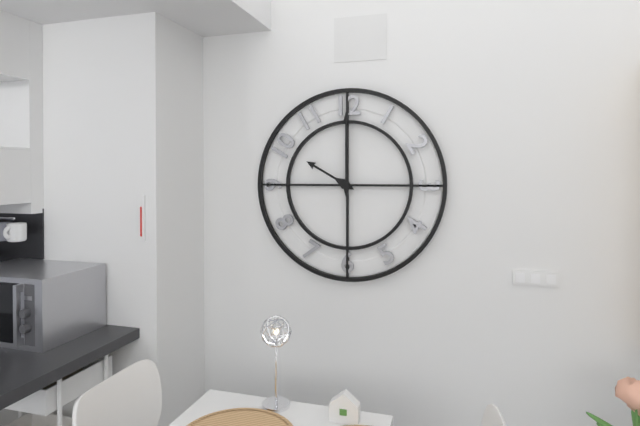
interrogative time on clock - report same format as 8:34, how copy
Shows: 10:00
